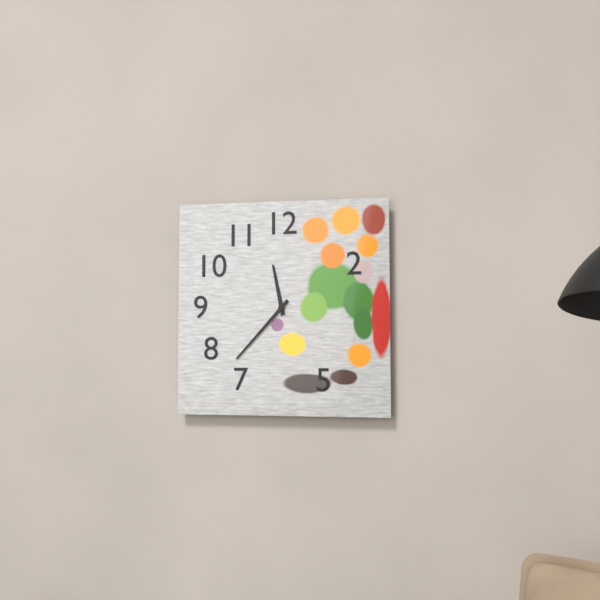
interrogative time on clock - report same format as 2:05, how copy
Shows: 11:37
